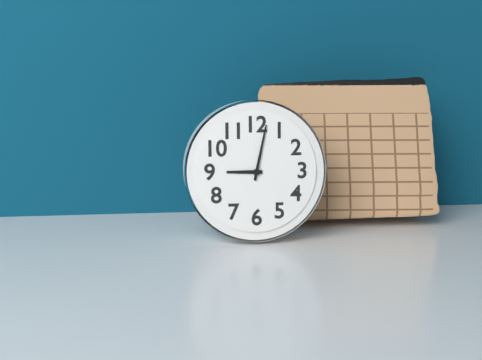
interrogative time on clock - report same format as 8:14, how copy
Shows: 9:02
